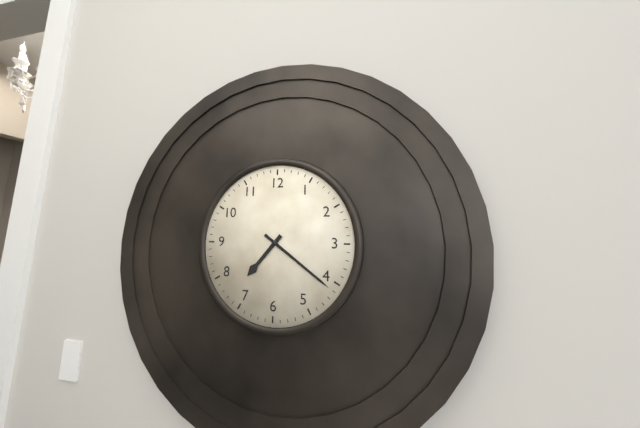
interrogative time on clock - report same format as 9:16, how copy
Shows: 7:21
